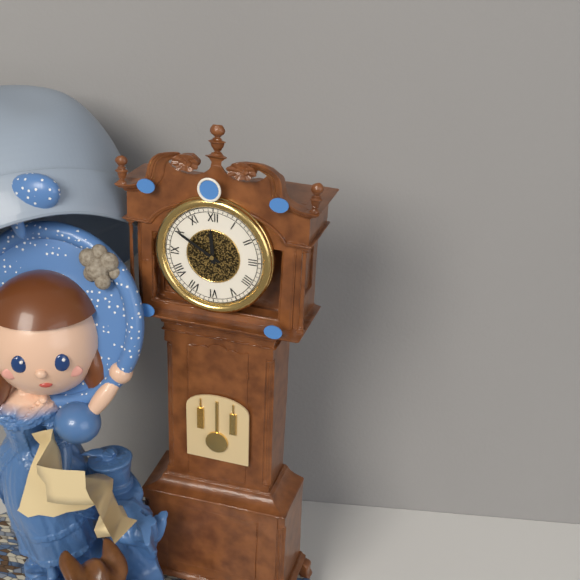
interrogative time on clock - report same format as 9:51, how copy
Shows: 11:50
